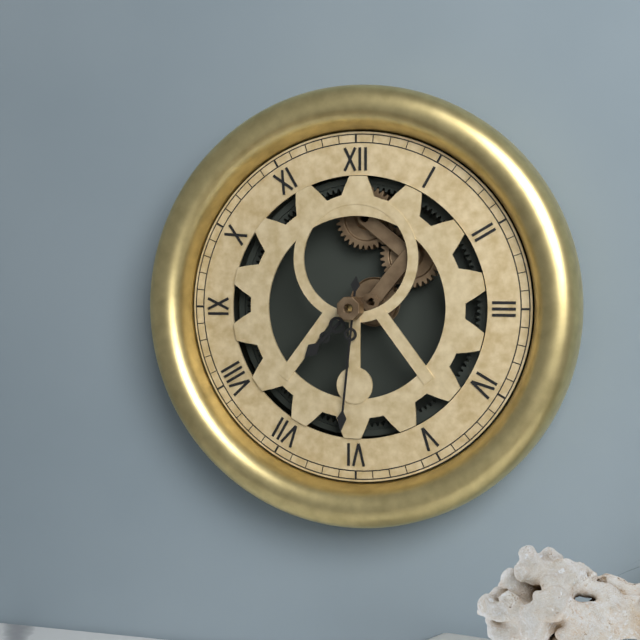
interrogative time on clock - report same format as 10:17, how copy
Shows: 7:31
